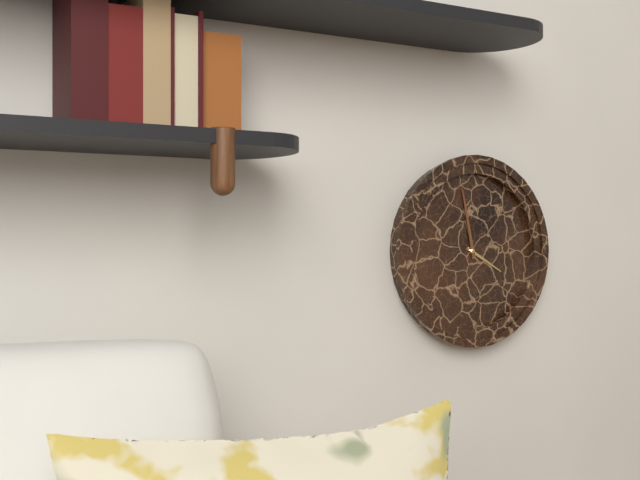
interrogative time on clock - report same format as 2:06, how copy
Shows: 3:58
